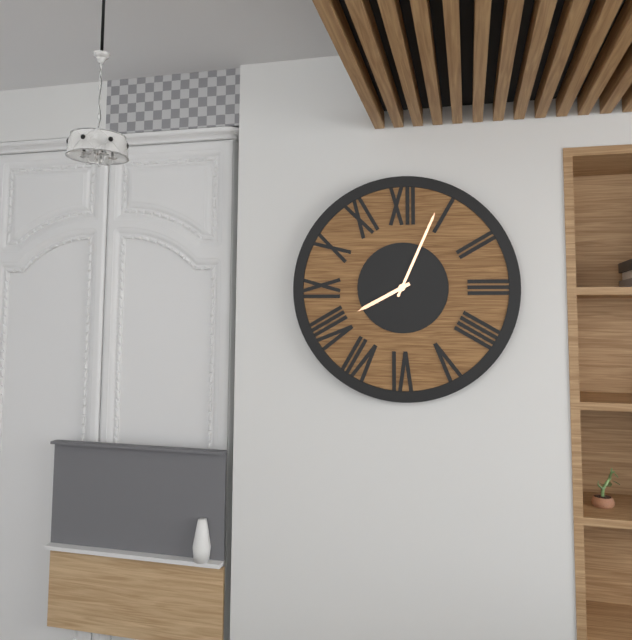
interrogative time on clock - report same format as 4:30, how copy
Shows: 8:04
